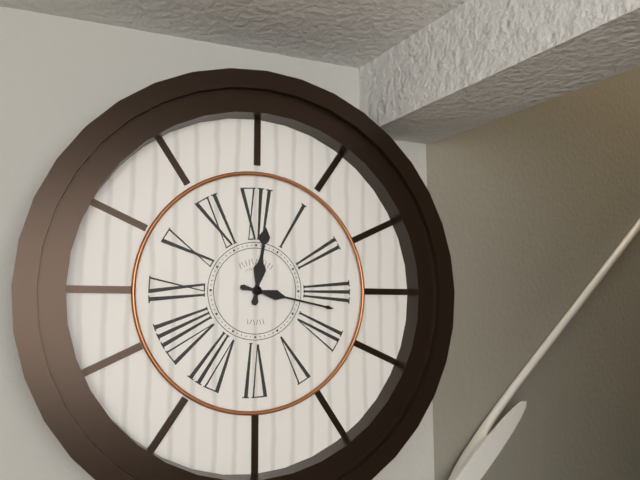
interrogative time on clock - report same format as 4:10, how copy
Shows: 12:17
